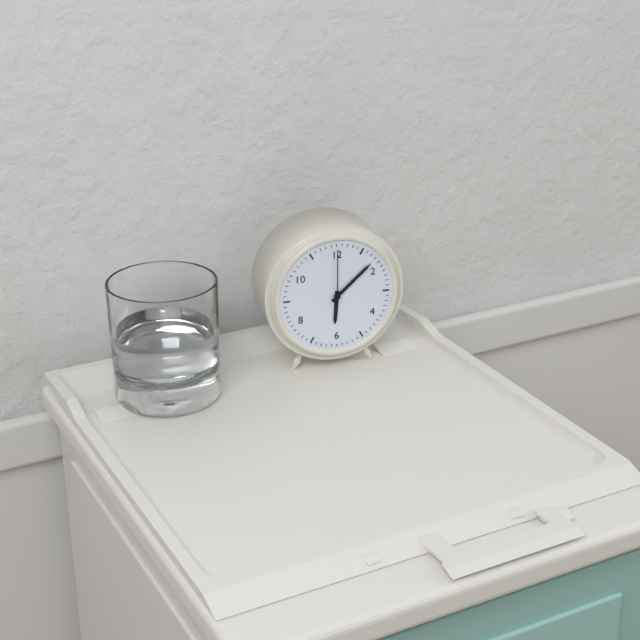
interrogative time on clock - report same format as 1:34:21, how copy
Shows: 6:08:00
